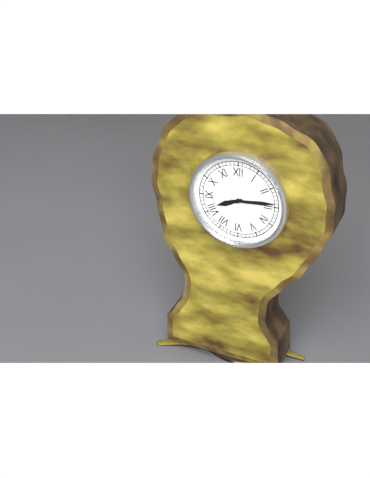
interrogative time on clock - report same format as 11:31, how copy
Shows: 8:14
